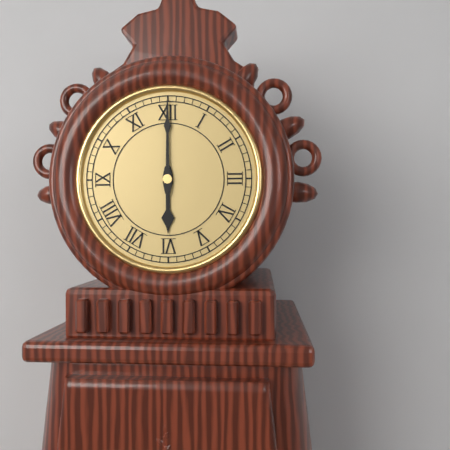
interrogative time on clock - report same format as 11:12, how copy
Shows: 6:00
